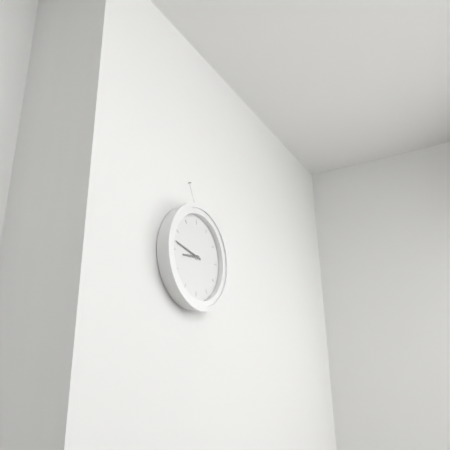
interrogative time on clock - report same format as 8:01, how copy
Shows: 8:47
